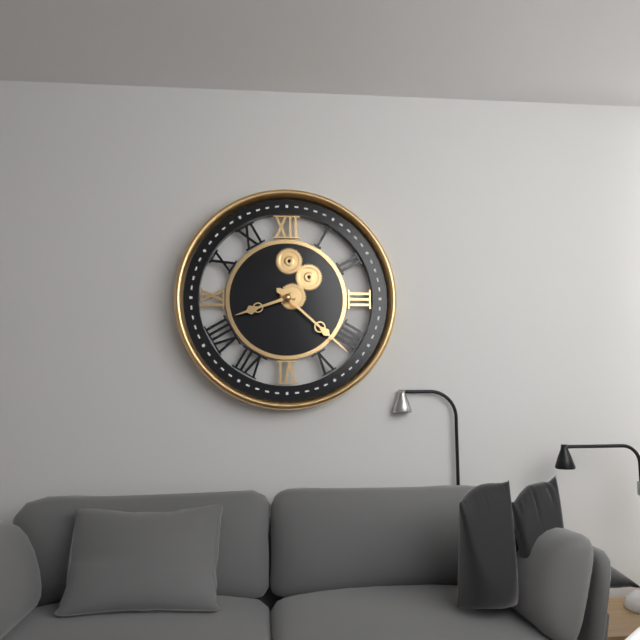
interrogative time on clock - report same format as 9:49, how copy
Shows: 8:22
